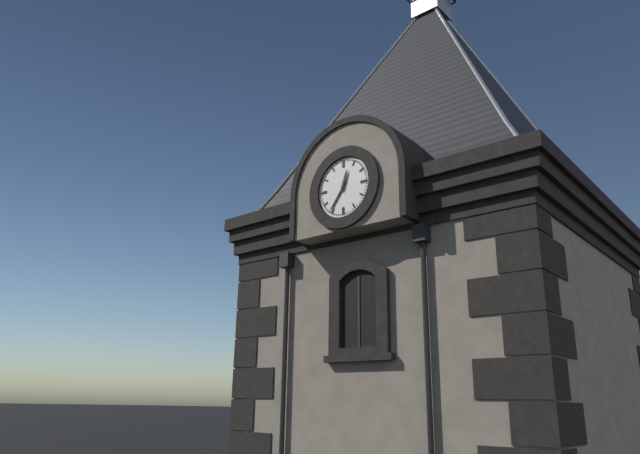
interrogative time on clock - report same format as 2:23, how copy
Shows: 12:36
